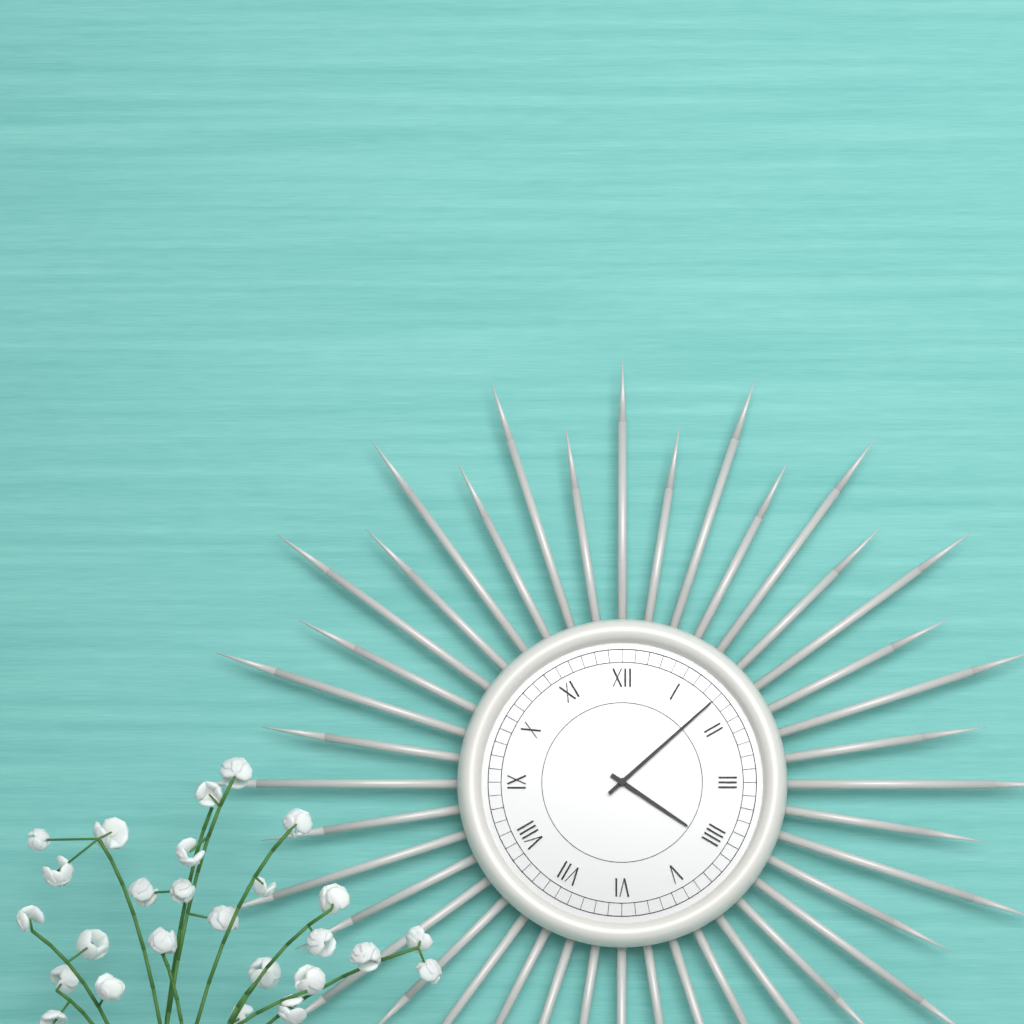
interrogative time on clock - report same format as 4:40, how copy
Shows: 4:08
